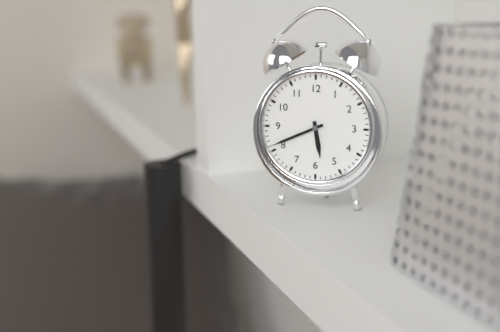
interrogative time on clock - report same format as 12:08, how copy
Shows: 5:41
